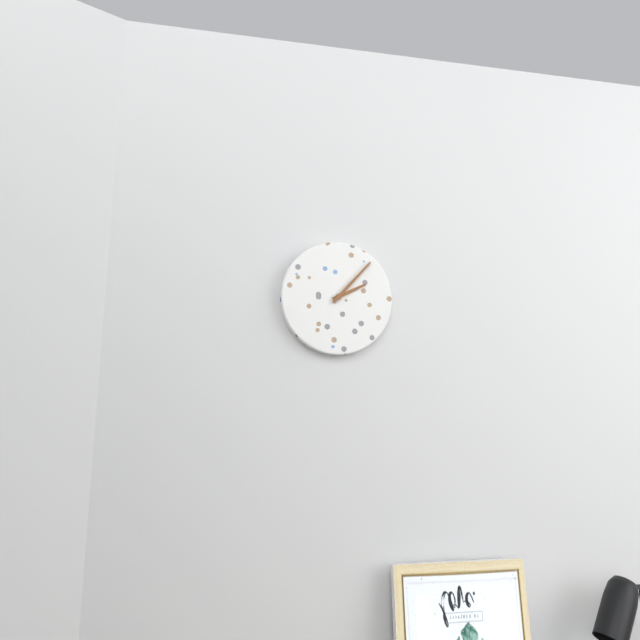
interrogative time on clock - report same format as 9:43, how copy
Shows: 2:07
